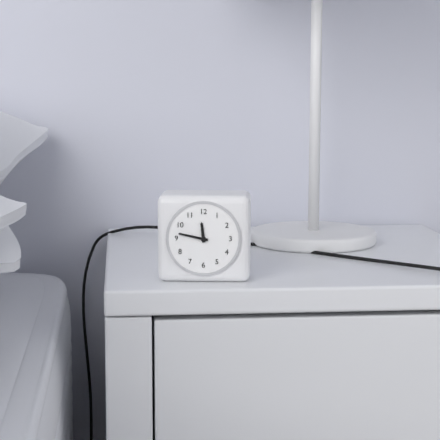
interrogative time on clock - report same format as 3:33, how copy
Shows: 11:47
